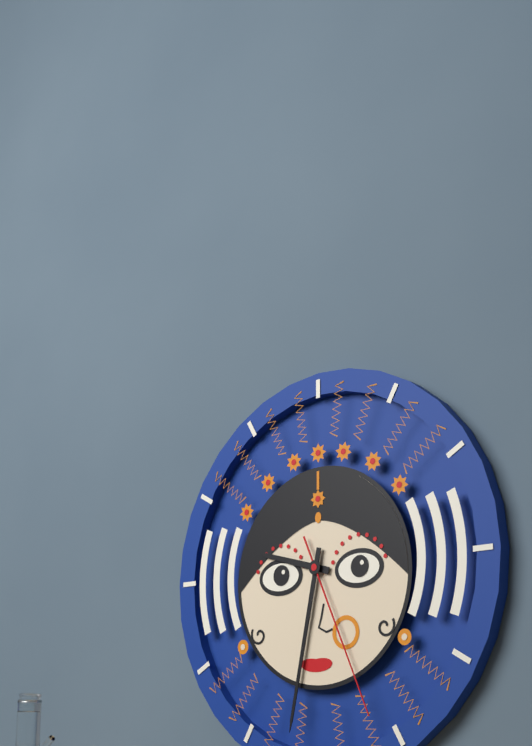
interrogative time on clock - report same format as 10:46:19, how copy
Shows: 9:32:26
